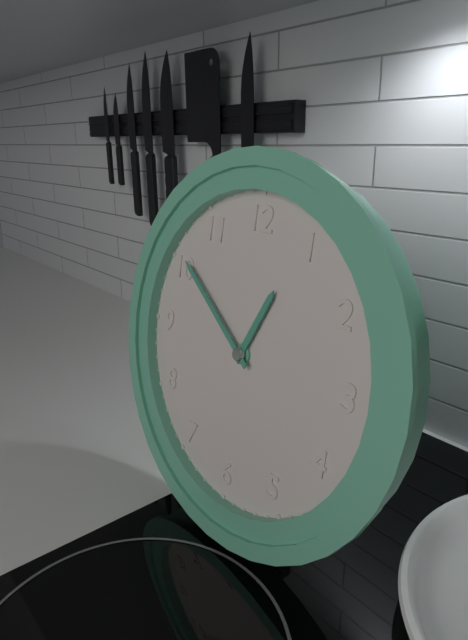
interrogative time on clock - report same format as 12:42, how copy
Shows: 12:51
